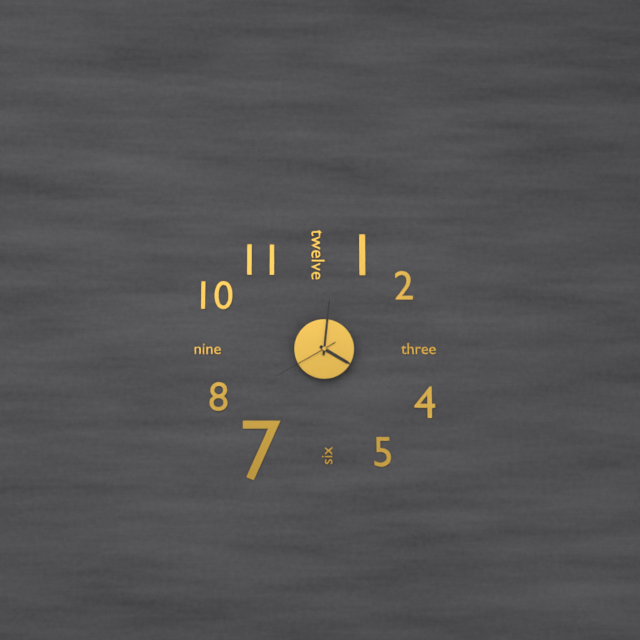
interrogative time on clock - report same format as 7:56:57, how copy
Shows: 4:01:40
